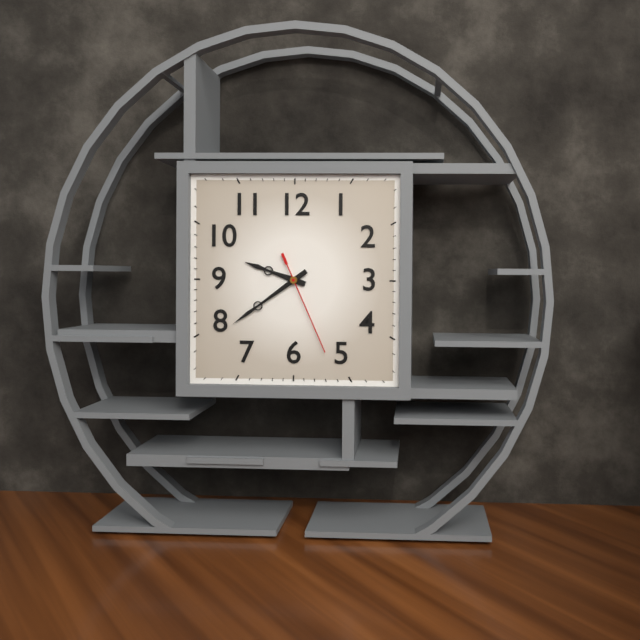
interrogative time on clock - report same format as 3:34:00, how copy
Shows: 9:39:26
